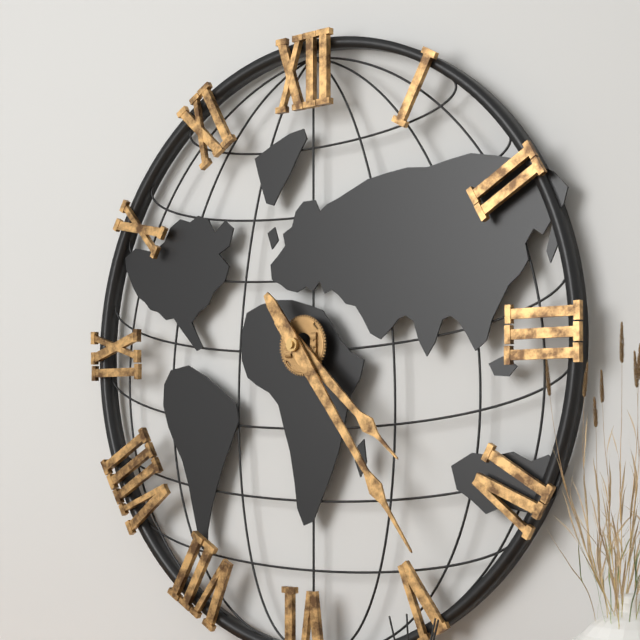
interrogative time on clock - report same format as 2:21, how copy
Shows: 4:24
